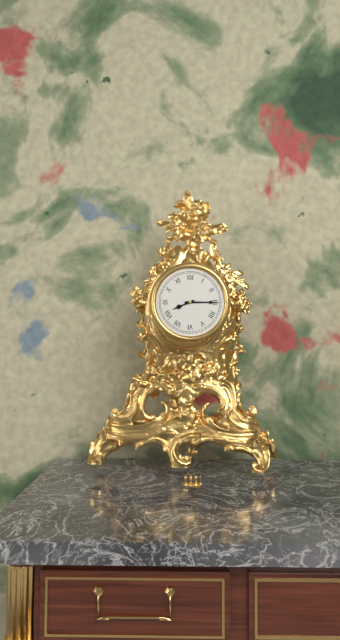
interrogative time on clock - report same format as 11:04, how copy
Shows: 8:15
